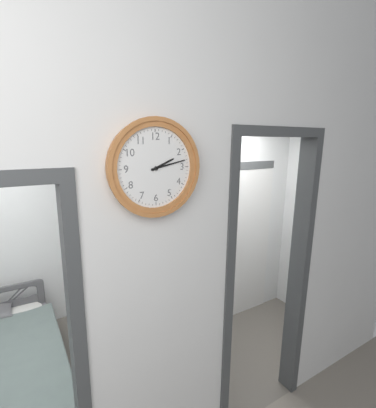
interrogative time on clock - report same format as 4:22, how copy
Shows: 2:13
